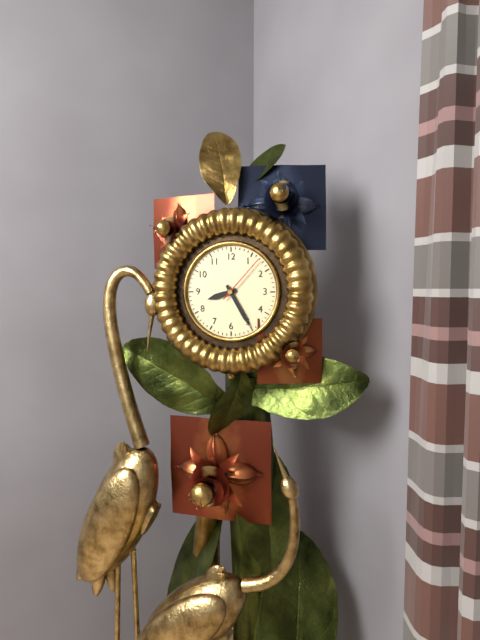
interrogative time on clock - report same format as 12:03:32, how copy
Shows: 8:25:07
